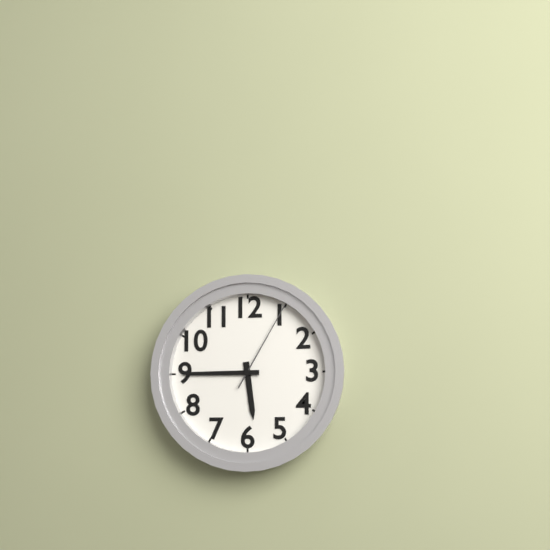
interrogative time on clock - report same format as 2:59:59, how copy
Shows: 5:45:05
